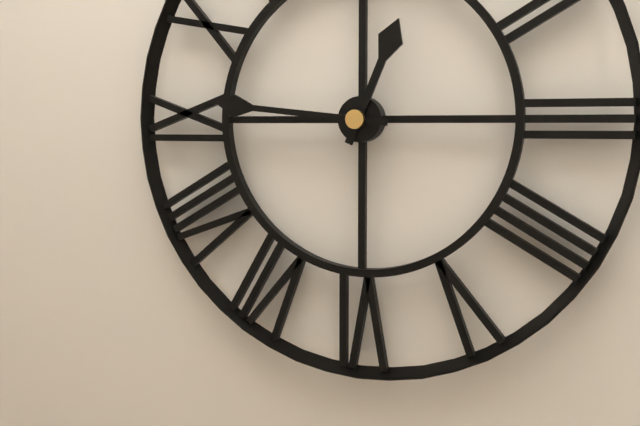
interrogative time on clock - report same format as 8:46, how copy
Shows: 12:46
